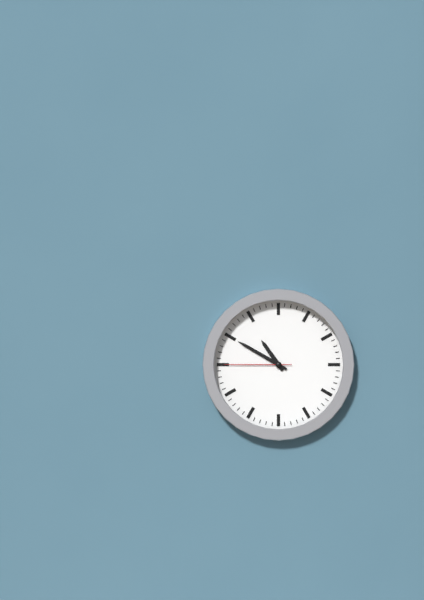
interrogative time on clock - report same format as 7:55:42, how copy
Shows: 10:50:45
